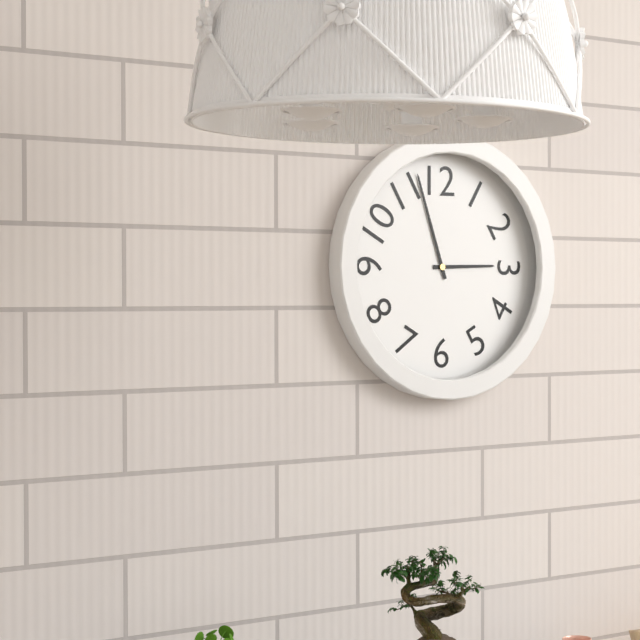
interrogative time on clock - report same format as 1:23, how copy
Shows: 2:57
